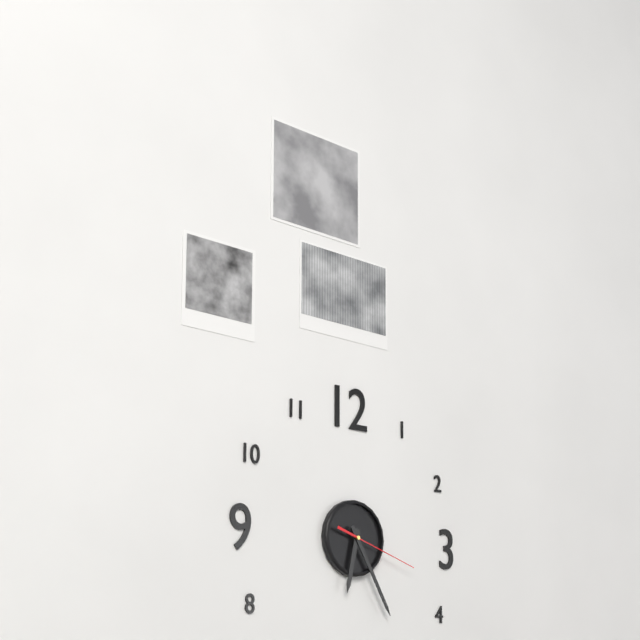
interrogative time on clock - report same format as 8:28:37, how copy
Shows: 6:25:18
